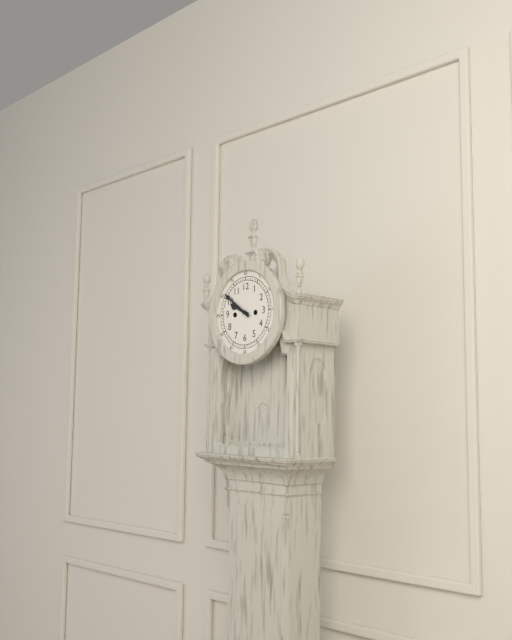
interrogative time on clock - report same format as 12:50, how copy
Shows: 9:51
